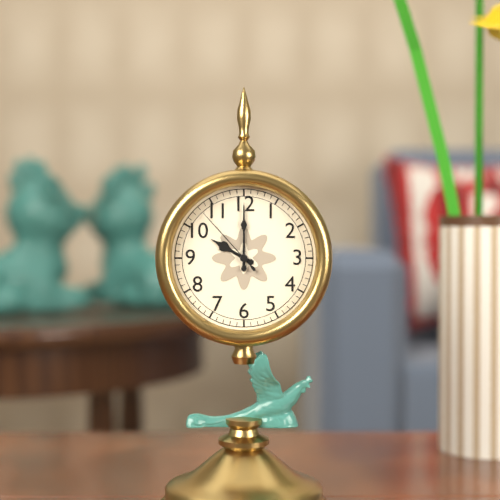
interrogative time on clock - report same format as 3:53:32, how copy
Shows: 10:00:53
